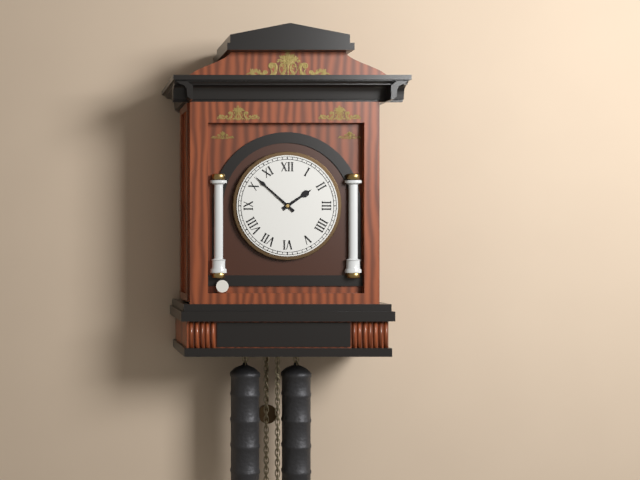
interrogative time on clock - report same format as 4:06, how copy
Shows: 1:52
